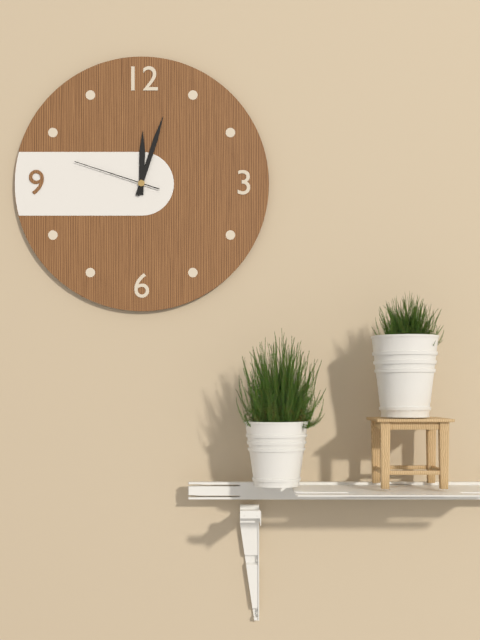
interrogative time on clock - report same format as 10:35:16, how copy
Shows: 12:03:48
